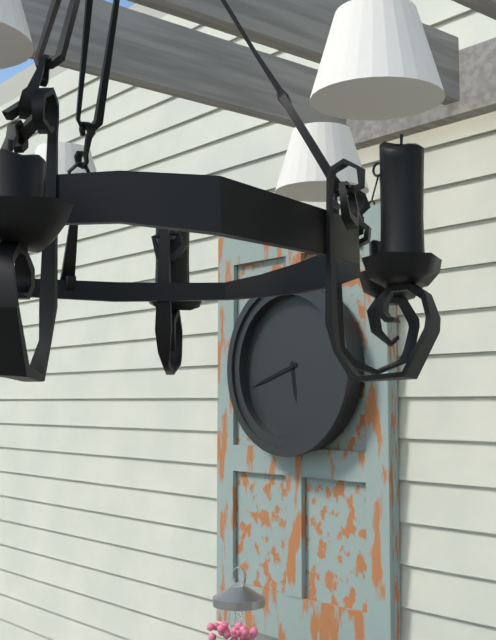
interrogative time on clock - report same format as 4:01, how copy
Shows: 5:42
